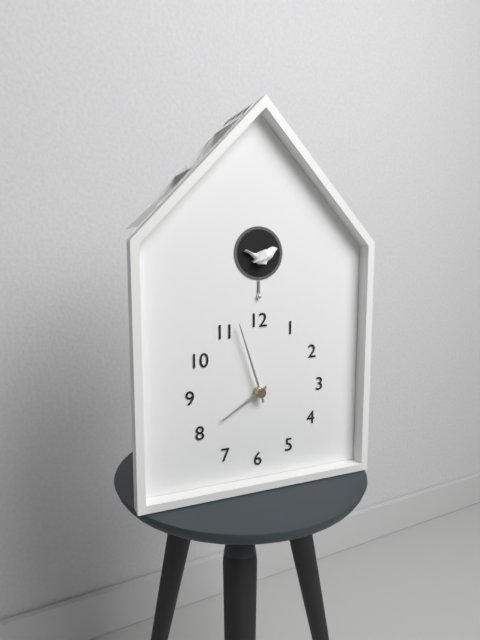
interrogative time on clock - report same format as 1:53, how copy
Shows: 7:57
